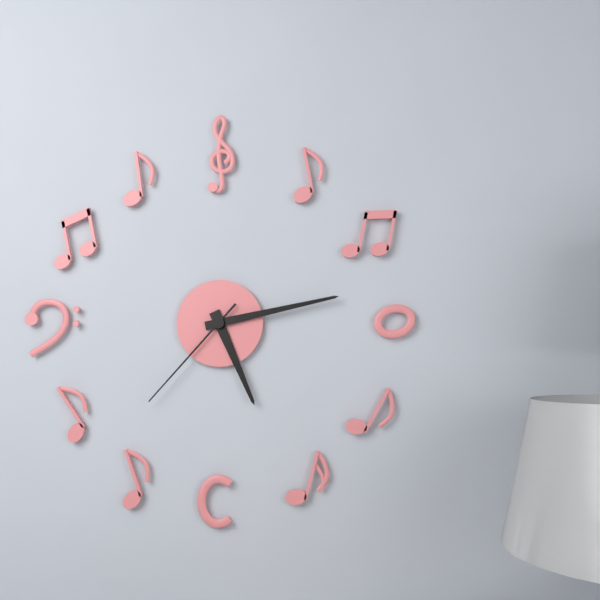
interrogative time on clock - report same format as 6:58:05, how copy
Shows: 5:13:37
